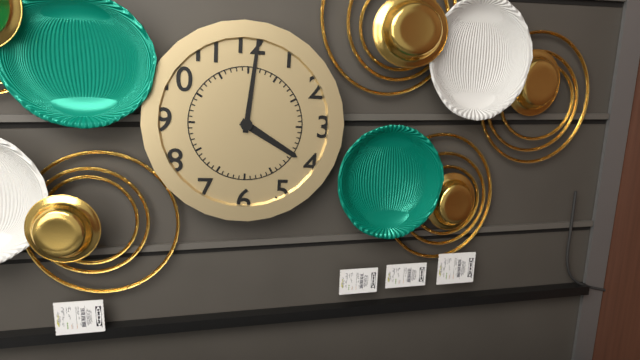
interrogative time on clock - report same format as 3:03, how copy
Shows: 4:01
